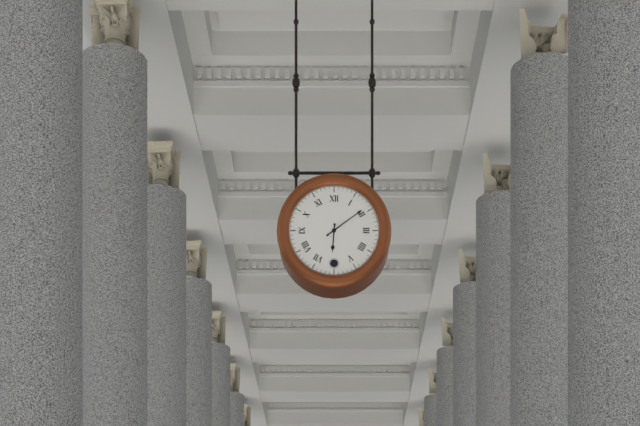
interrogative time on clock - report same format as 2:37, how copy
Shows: 6:09
